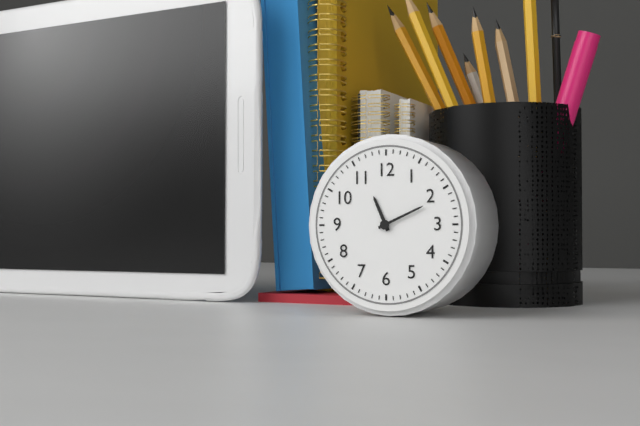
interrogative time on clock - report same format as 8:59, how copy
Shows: 11:11
